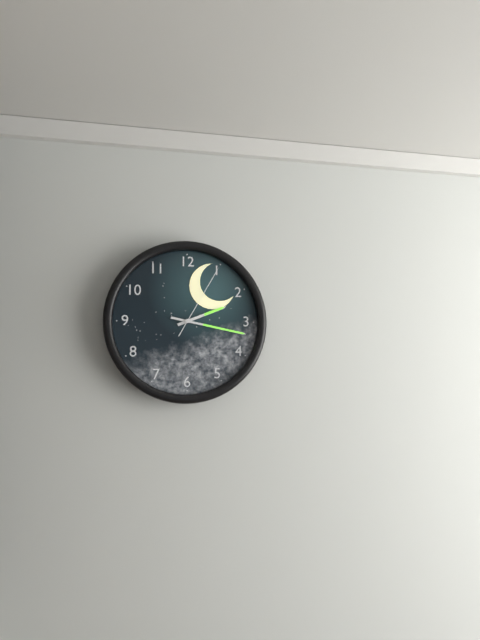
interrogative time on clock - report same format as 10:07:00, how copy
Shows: 2:17:05
